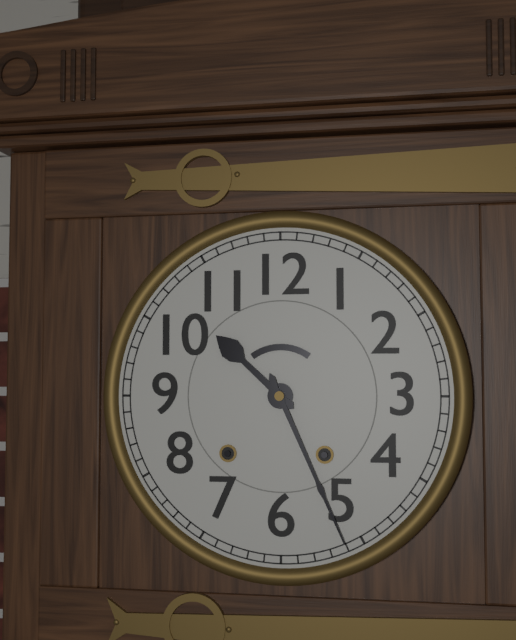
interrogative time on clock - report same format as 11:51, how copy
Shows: 10:26
